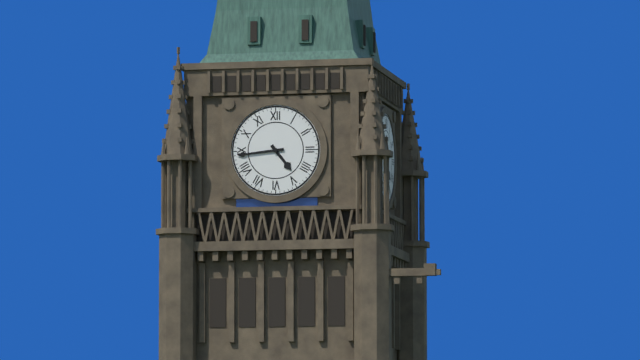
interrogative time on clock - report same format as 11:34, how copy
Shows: 4:44
